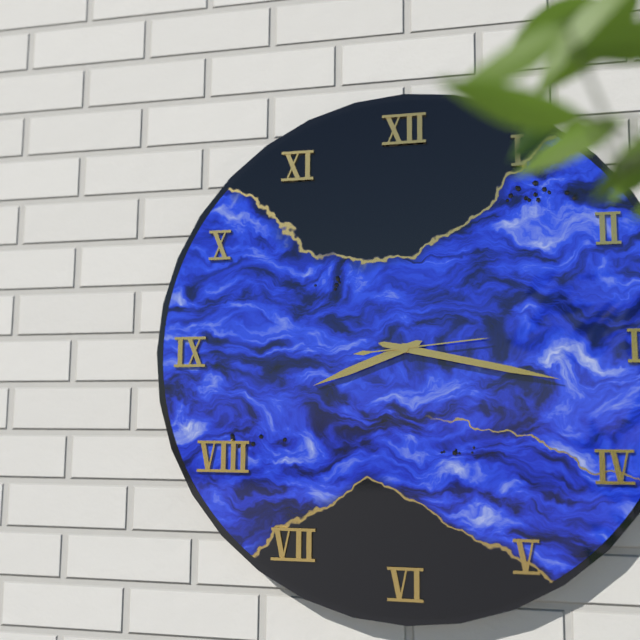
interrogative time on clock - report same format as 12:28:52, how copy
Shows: 8:17:14
